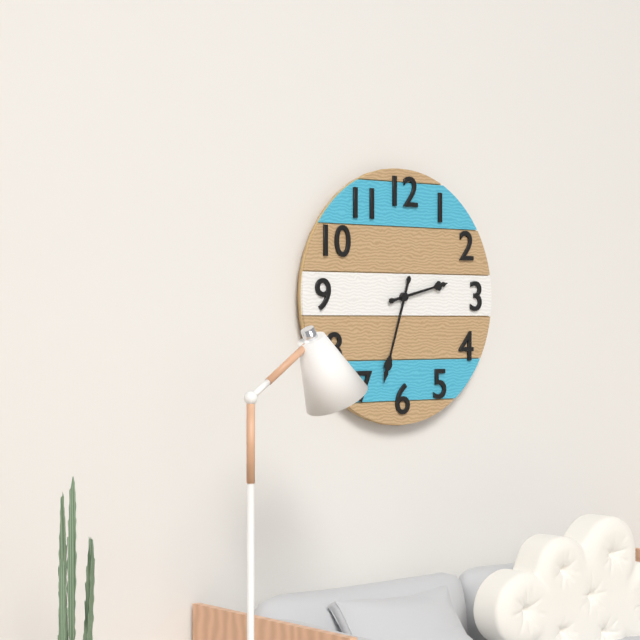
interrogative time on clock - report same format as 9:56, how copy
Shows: 2:33
